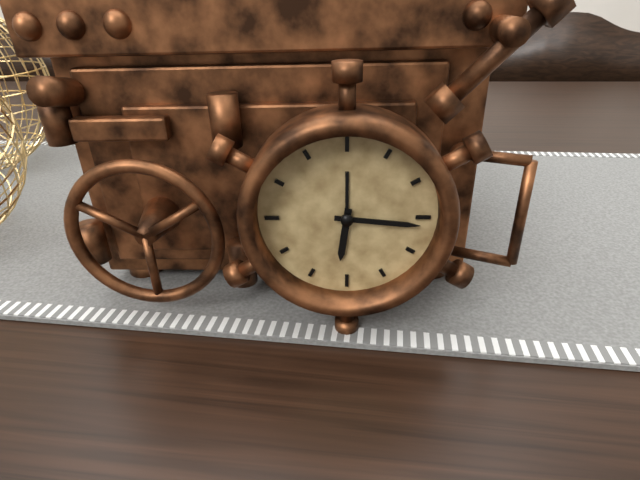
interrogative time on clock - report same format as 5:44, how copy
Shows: 6:16
